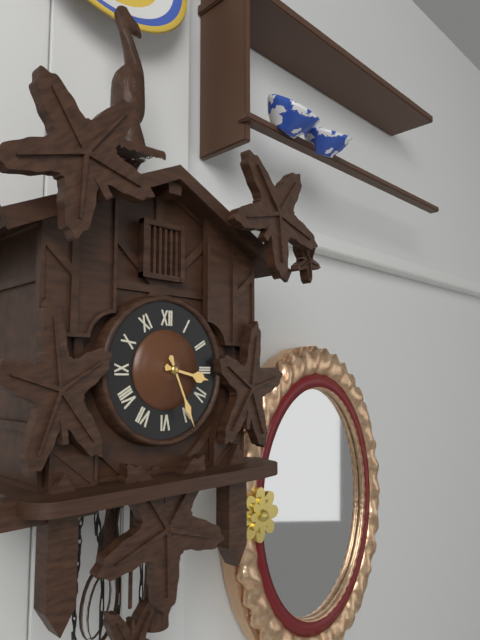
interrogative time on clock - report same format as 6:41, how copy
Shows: 3:26
